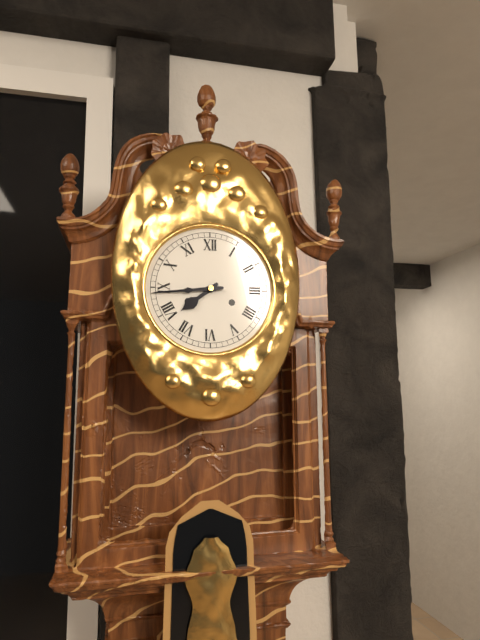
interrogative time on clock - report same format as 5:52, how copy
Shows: 7:44
